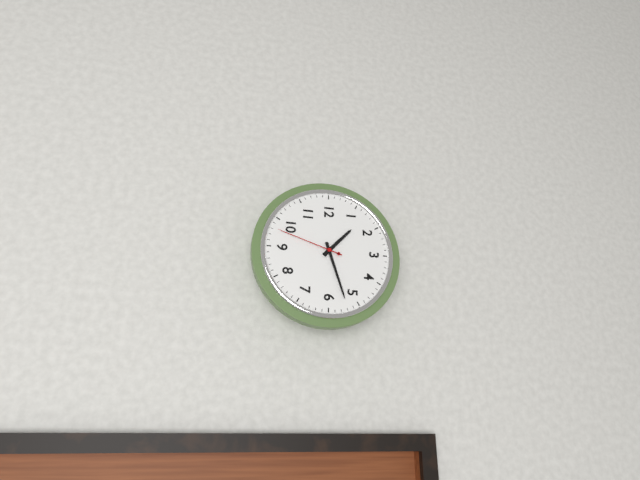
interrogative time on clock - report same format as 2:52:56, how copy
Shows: 1:27:48
